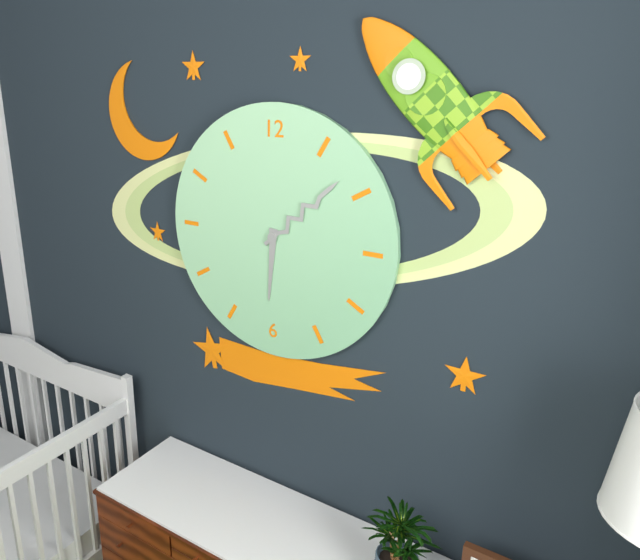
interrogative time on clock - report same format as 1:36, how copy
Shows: 6:08
